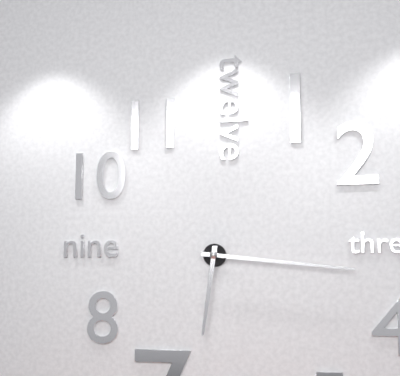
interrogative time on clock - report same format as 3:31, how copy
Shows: 6:16
